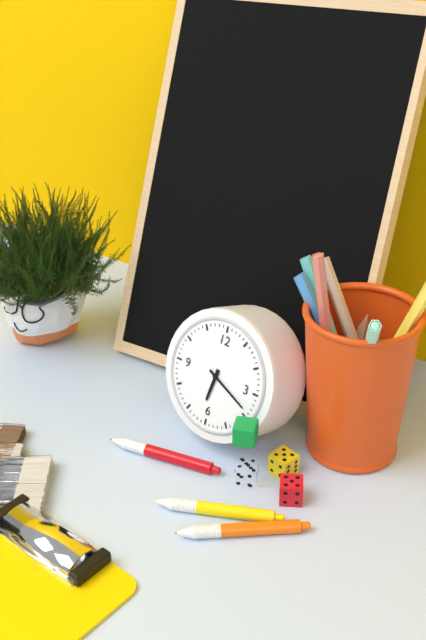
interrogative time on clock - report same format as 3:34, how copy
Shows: 6:19
